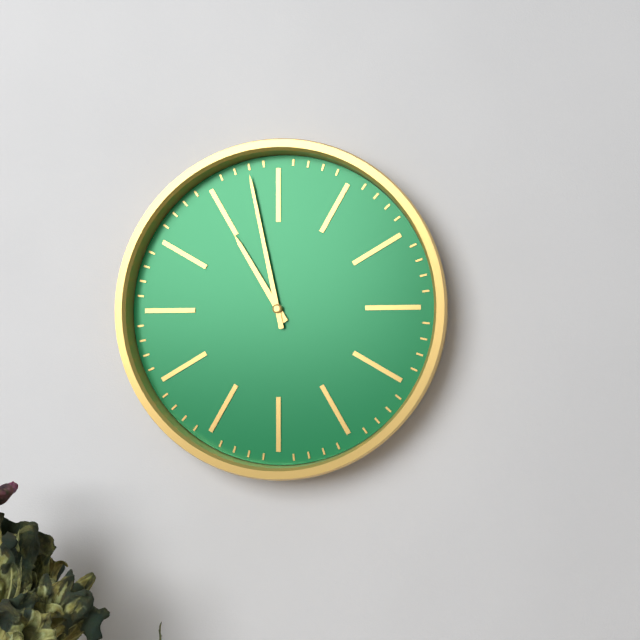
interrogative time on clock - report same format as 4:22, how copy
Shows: 10:58
